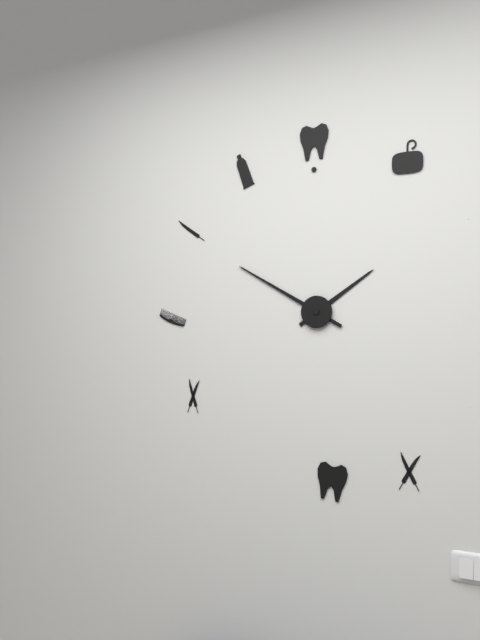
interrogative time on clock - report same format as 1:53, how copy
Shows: 1:50
